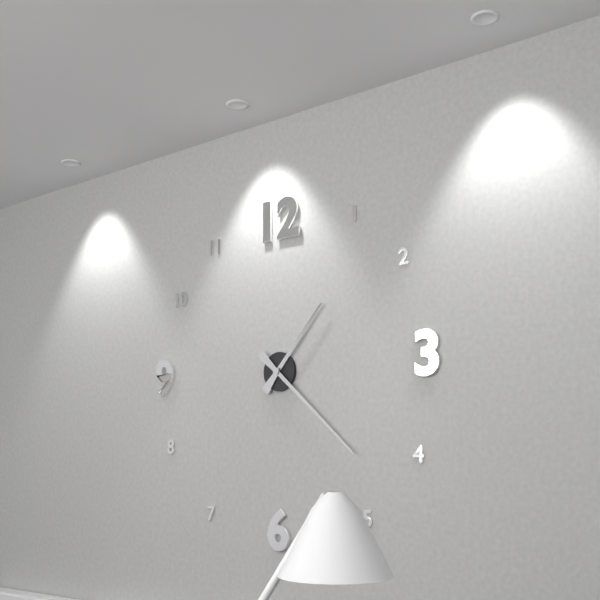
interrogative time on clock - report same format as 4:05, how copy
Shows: 1:22
